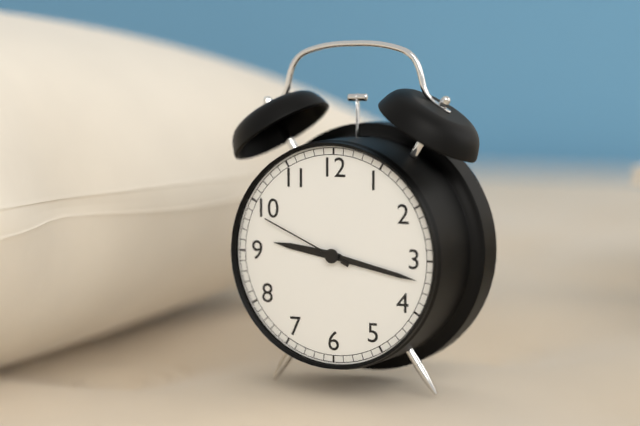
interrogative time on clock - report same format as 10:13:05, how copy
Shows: 9:17:49
